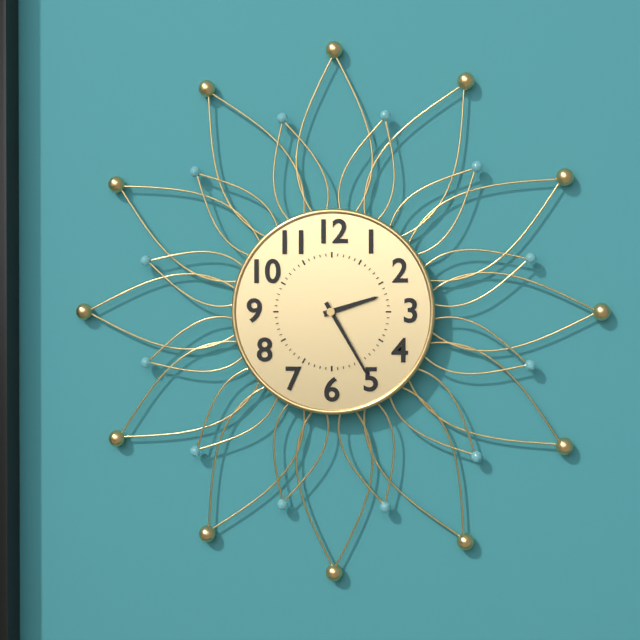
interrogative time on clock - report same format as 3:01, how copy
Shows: 2:25
